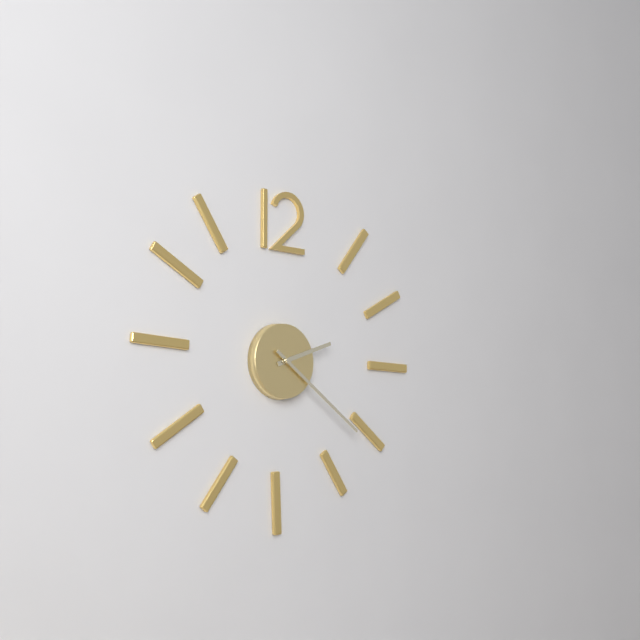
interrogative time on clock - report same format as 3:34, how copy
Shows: 2:21
